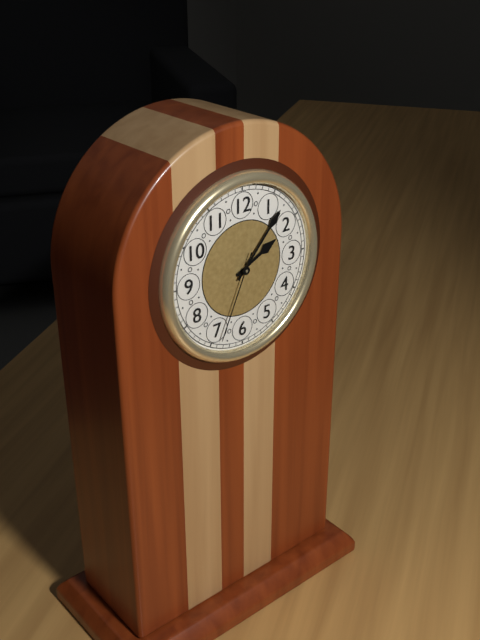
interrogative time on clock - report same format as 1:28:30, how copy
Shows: 2:07:34
